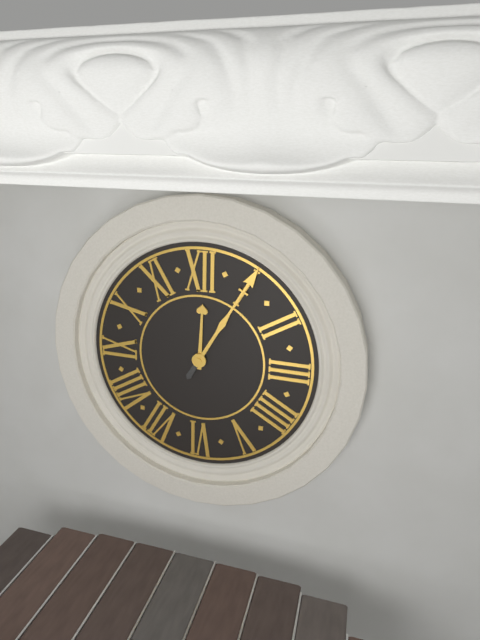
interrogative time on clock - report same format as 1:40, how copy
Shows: 12:05
